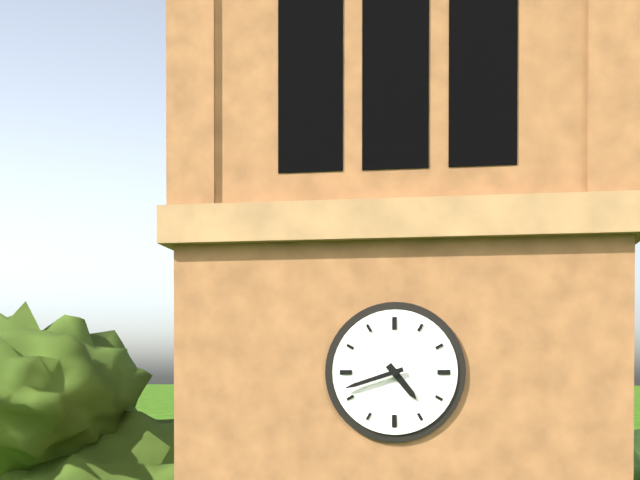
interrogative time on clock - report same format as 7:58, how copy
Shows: 4:42
